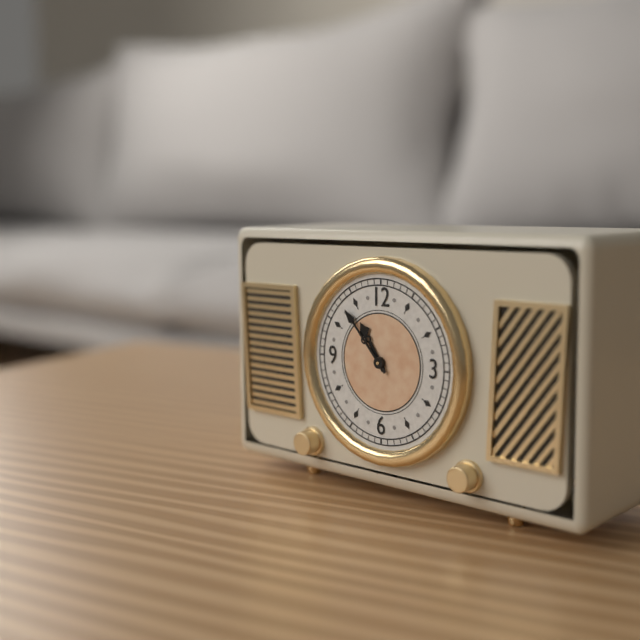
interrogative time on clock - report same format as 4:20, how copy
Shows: 10:53
